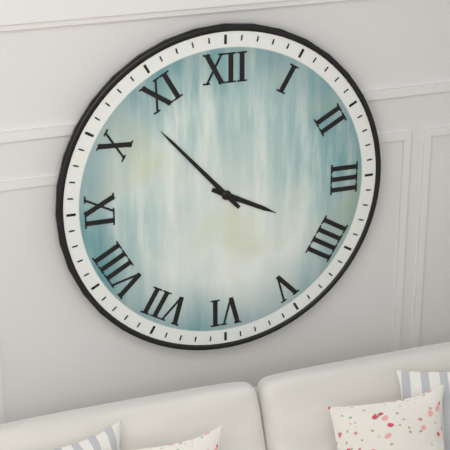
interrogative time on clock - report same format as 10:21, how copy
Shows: 3:53
